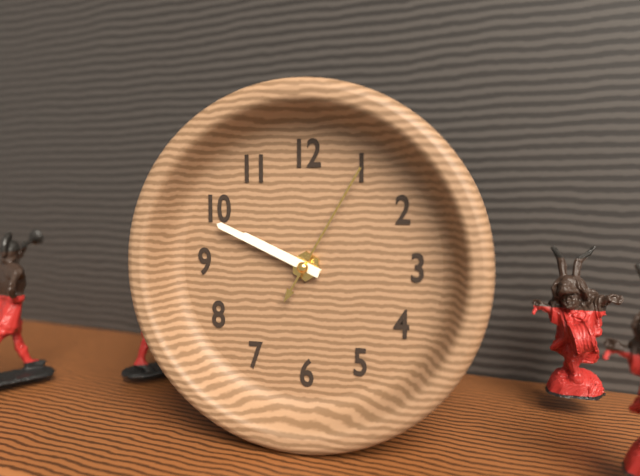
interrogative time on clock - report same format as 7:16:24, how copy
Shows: 9:49:05
